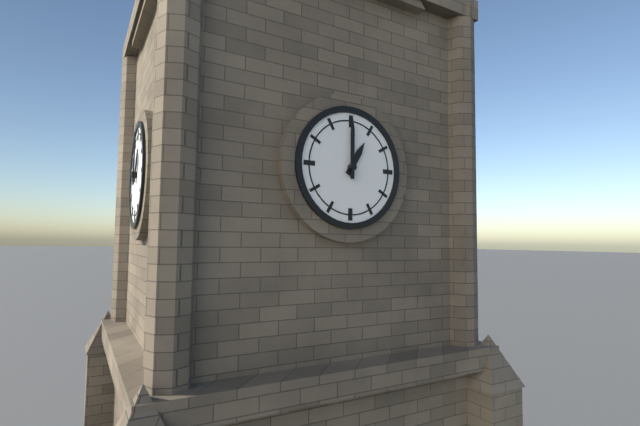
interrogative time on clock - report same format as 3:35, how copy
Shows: 1:00
